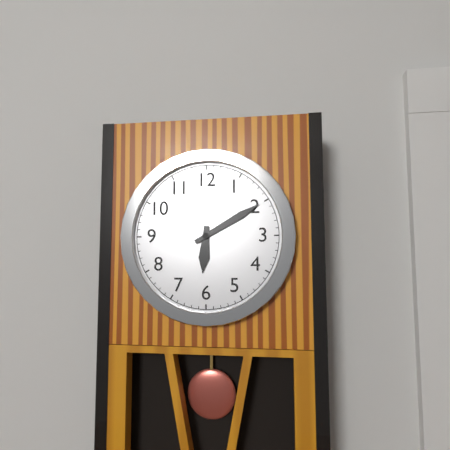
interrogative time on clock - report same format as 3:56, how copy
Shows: 6:10
